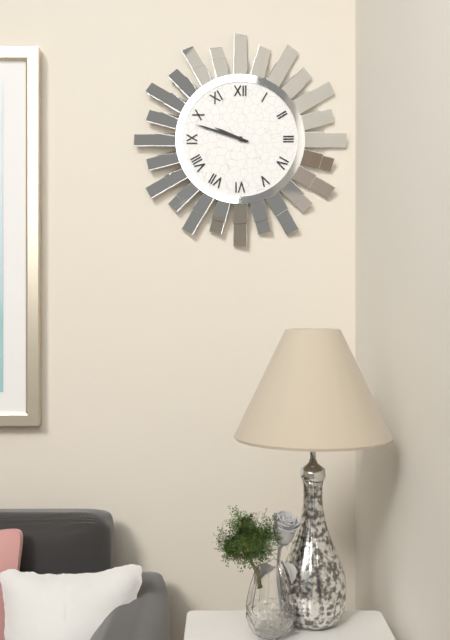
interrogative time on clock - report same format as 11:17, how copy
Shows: 9:48
